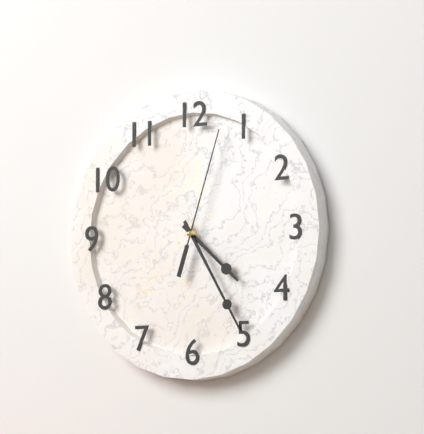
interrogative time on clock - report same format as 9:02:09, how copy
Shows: 4:25:03
